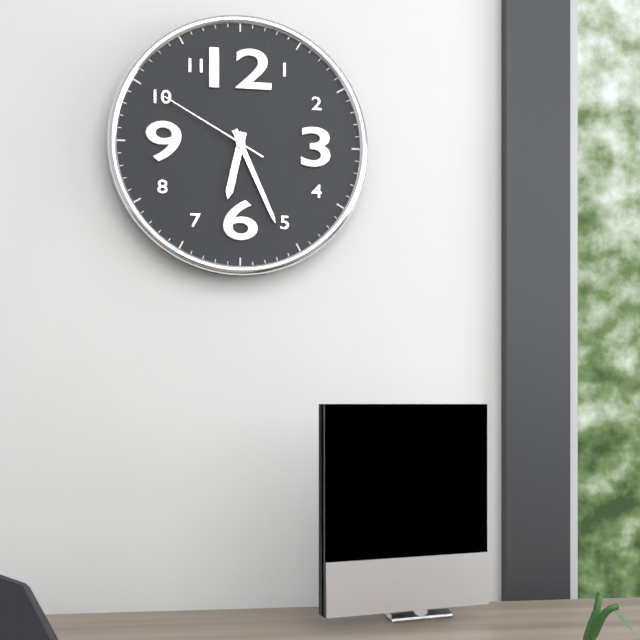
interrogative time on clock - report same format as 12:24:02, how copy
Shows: 6:26:50
